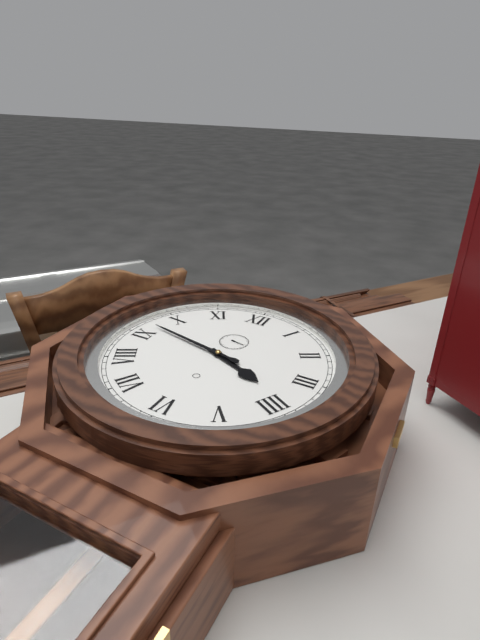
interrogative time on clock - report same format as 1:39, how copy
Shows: 3:47
